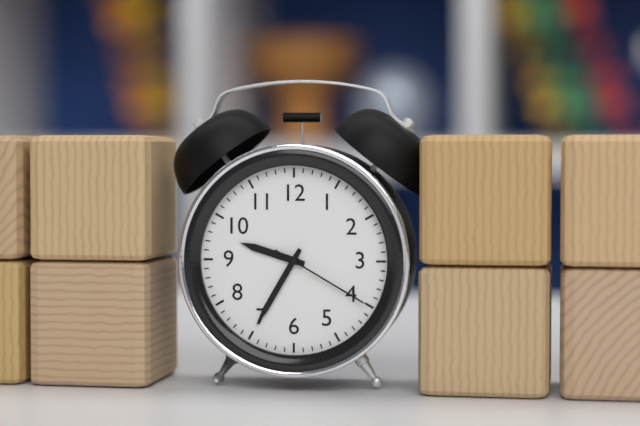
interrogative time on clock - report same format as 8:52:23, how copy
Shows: 9:35:20
